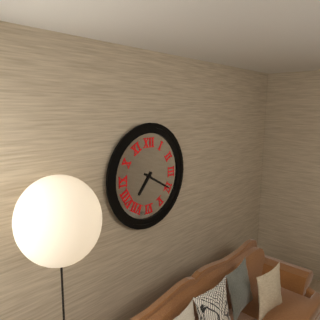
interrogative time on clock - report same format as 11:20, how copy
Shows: 7:20
